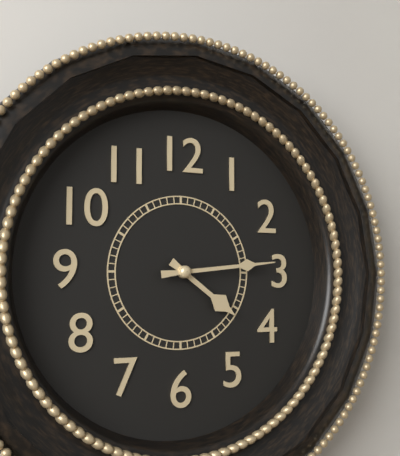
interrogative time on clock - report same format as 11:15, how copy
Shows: 4:14
